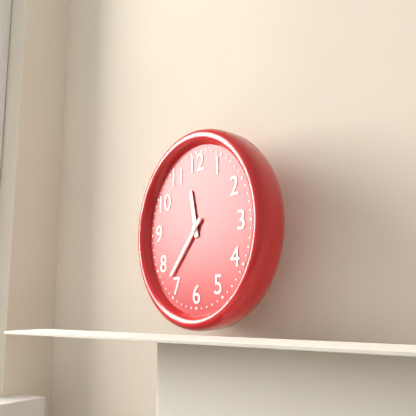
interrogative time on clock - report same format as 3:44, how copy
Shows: 11:37
